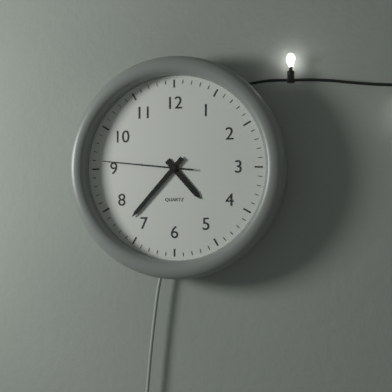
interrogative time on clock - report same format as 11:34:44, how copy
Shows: 4:37:46
